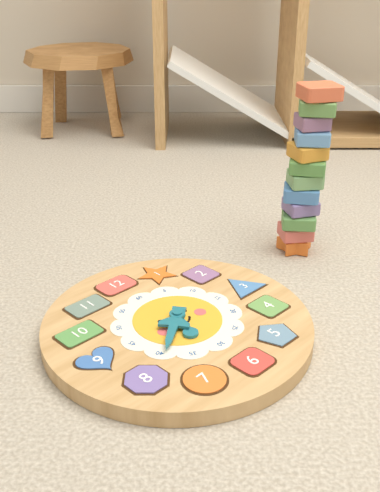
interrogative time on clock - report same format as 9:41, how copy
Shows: 6:39
